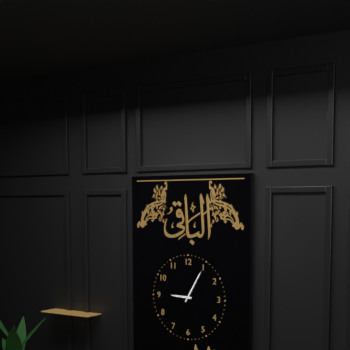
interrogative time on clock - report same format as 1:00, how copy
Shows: 9:05
